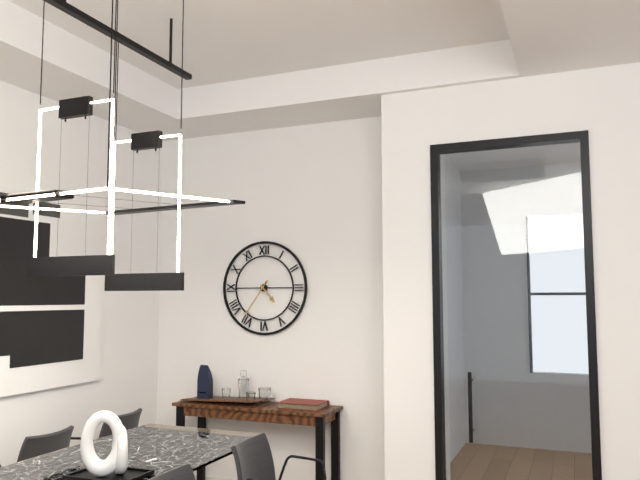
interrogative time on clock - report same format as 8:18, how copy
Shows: 4:36
